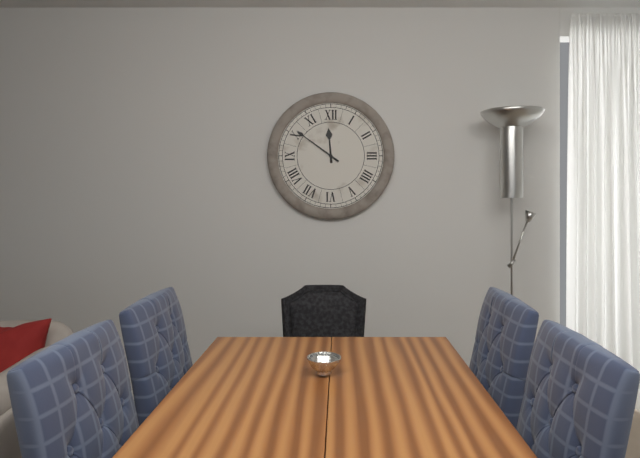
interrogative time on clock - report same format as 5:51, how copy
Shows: 11:51
